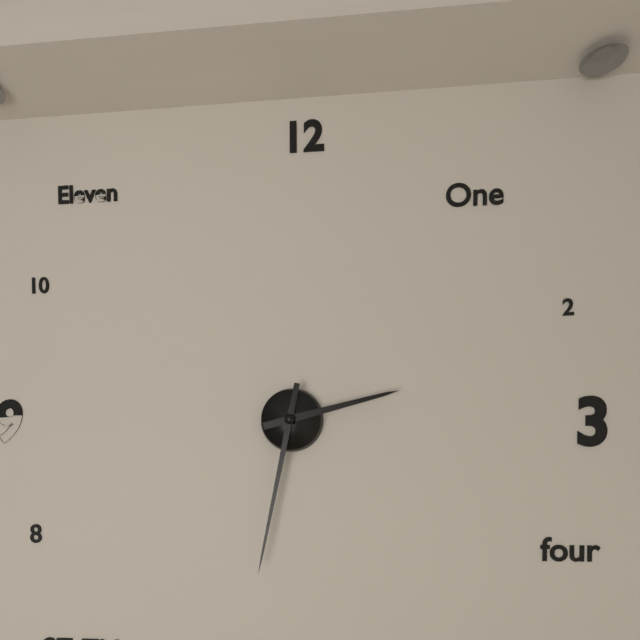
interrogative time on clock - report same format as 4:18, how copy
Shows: 2:32
